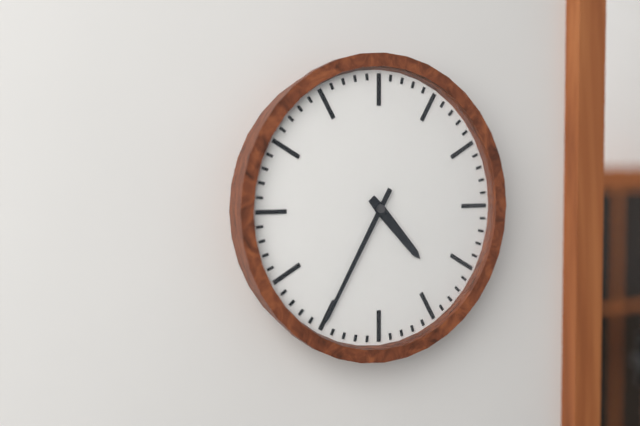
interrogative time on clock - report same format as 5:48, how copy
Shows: 4:35
